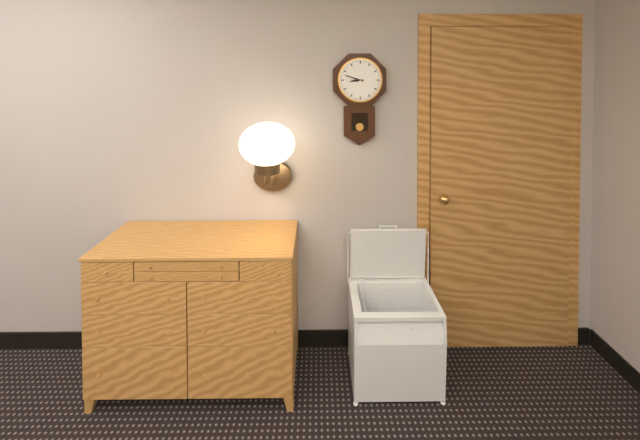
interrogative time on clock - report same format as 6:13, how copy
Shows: 8:48
